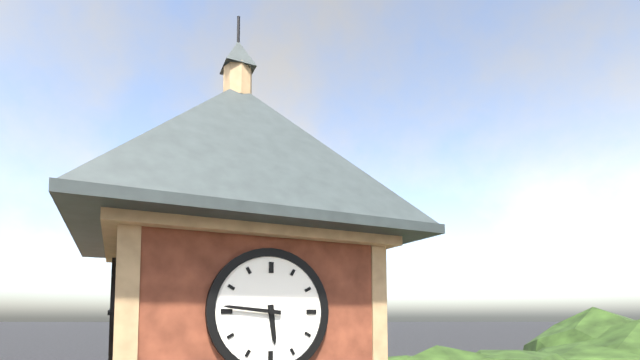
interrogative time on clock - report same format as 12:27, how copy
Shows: 5:46
